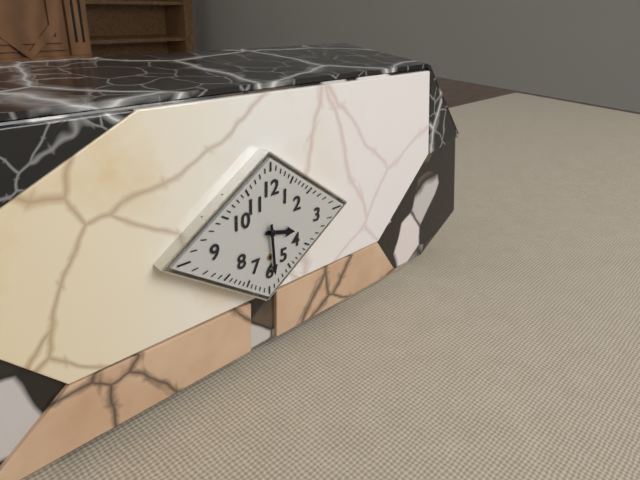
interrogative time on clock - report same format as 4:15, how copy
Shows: 3:29
